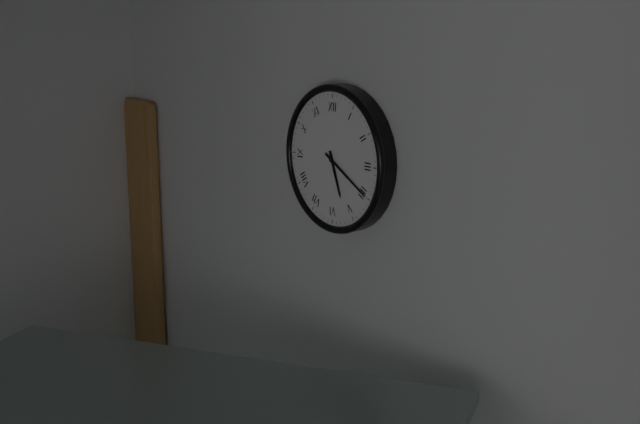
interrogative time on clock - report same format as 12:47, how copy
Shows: 5:20
